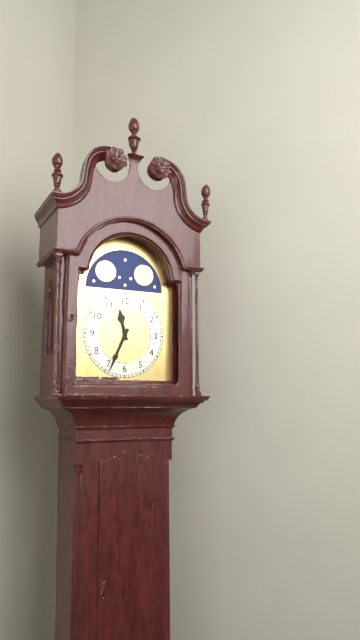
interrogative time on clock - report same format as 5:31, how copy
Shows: 11:34
